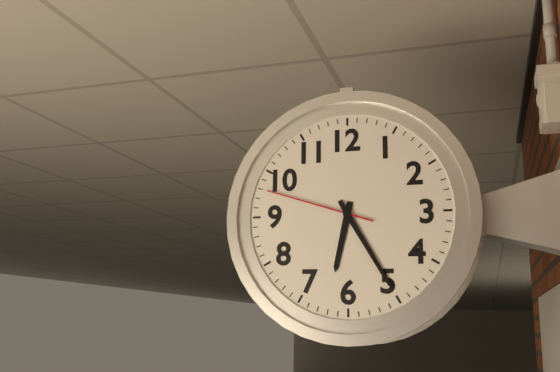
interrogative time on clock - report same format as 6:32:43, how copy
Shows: 6:25:48
